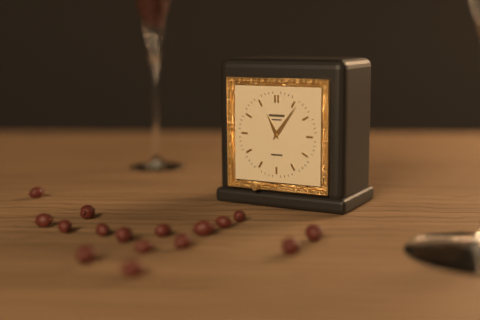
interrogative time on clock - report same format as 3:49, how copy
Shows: 11:06
